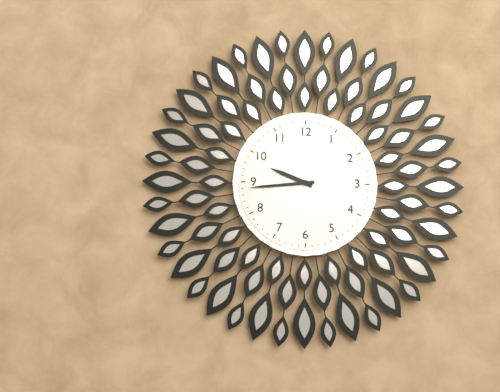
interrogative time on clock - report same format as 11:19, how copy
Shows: 9:44
